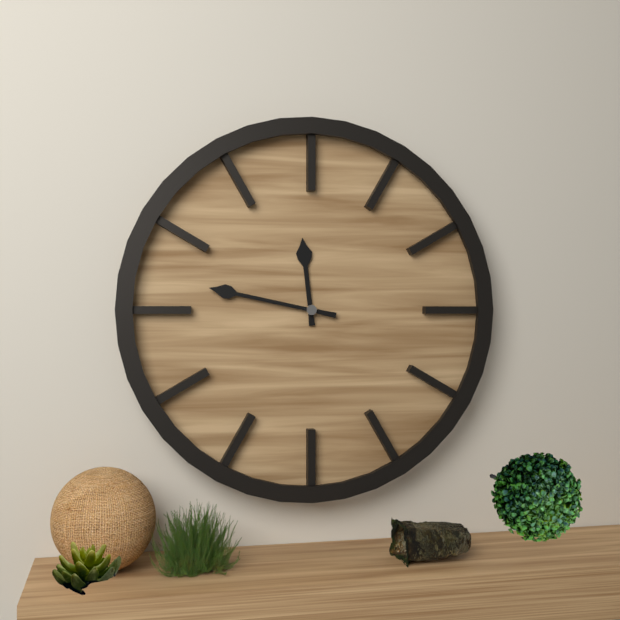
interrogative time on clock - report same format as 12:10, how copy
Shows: 11:47
